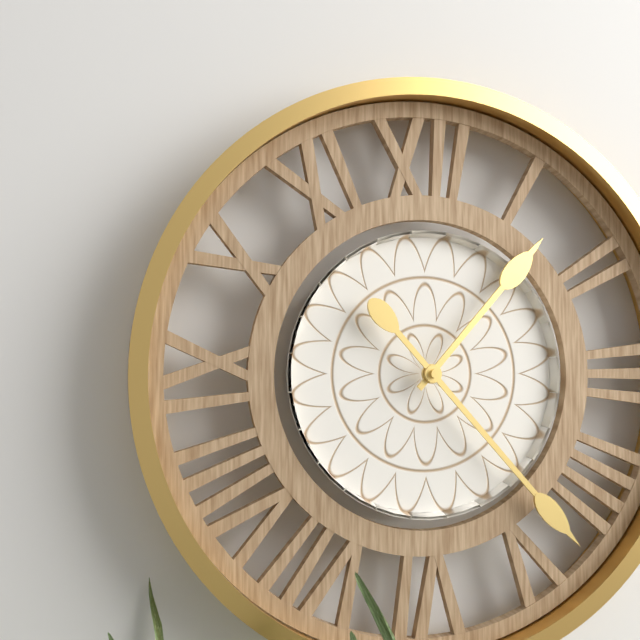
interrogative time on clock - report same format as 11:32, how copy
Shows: 1:23
